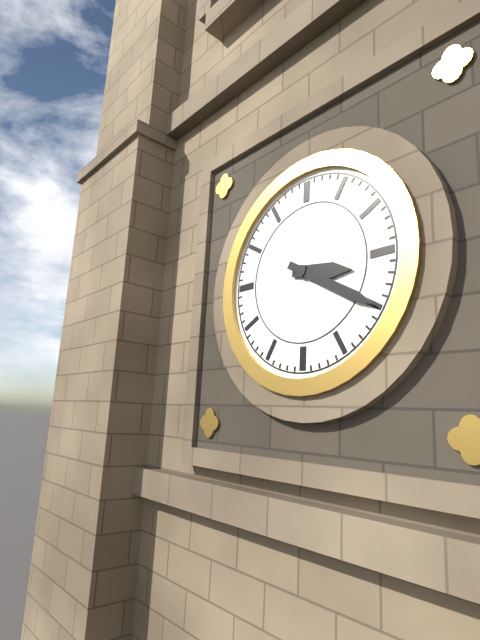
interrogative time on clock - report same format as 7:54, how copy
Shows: 3:20
